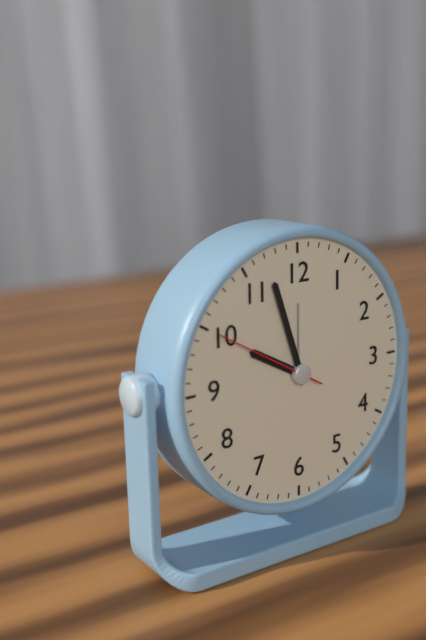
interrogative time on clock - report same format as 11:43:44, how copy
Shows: 9:57:50
